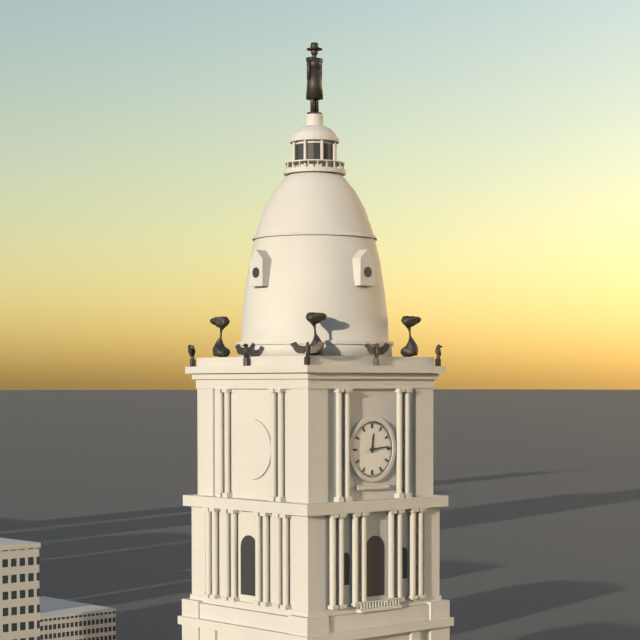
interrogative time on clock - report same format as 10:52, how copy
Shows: 12:14
